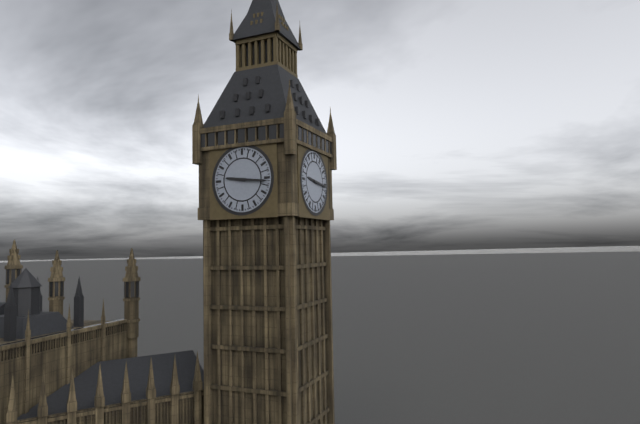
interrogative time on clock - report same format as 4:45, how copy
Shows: 9:16
